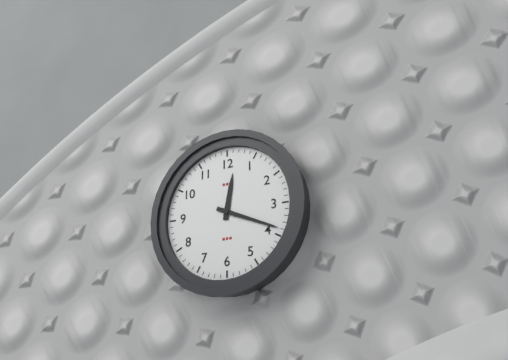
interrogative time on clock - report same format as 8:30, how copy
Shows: 12:19
